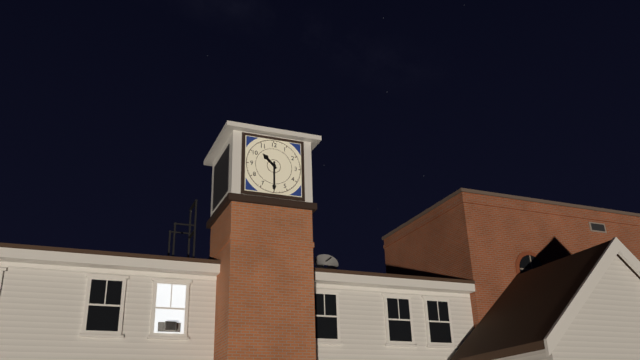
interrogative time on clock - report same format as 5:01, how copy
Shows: 10:30
